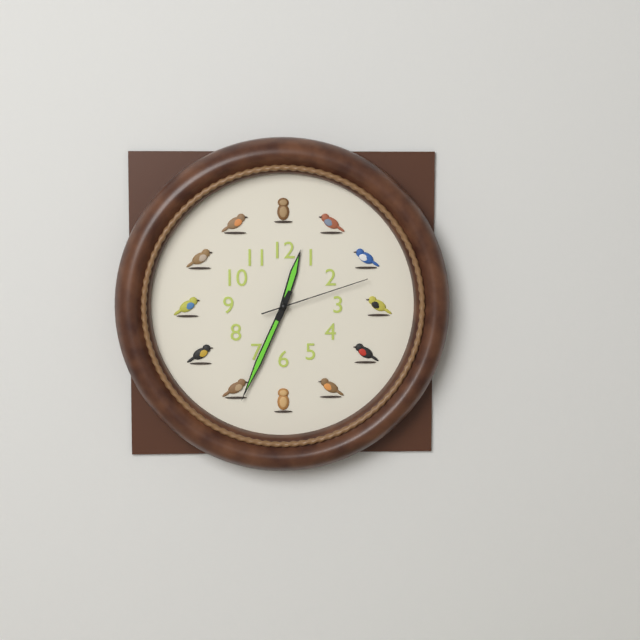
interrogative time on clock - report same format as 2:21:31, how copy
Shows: 12:34:12
